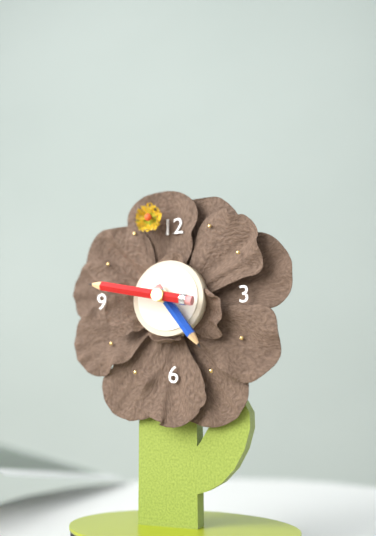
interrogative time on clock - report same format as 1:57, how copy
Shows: 4:47
